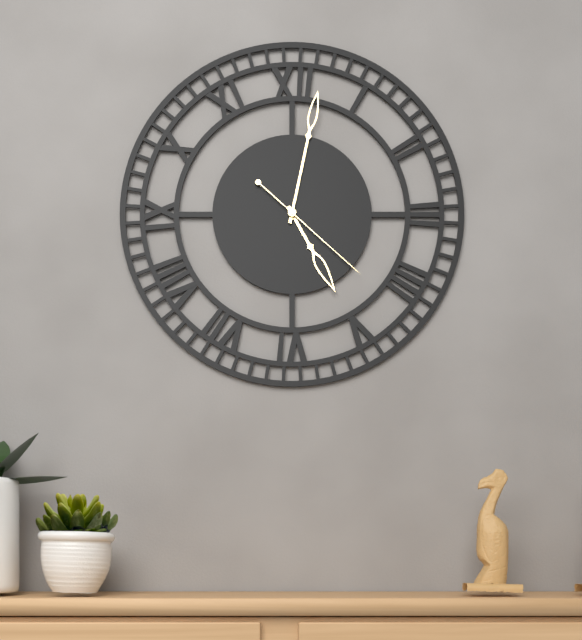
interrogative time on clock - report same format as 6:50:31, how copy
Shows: 5:02:22
